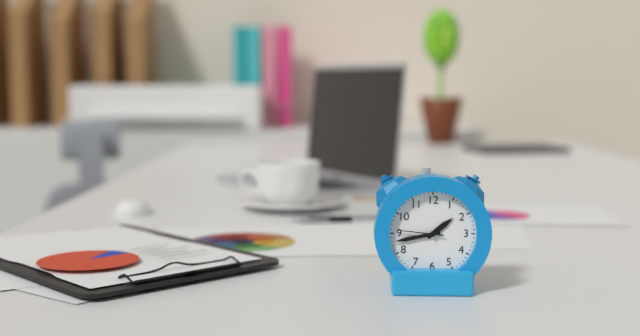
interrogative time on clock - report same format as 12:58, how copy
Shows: 1:43
